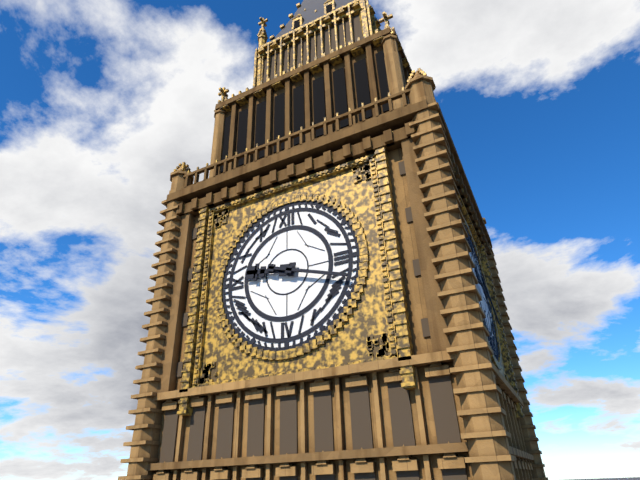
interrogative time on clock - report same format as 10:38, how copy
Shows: 9:18
